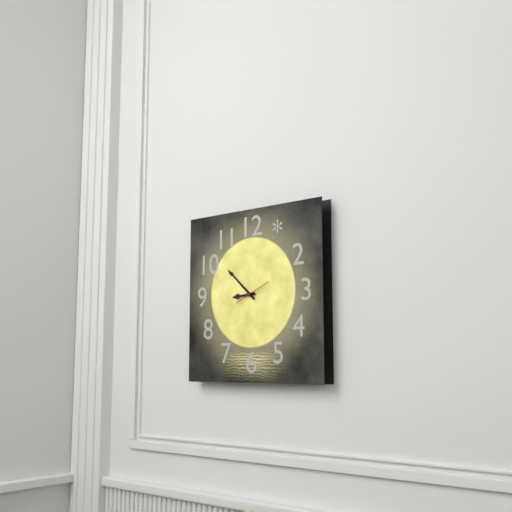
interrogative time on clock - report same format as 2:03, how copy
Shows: 8:52
